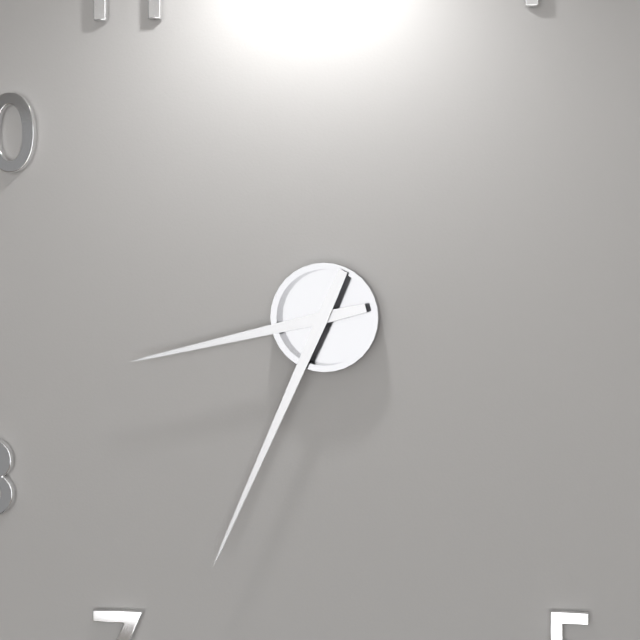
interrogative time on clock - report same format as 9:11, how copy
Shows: 8:34
